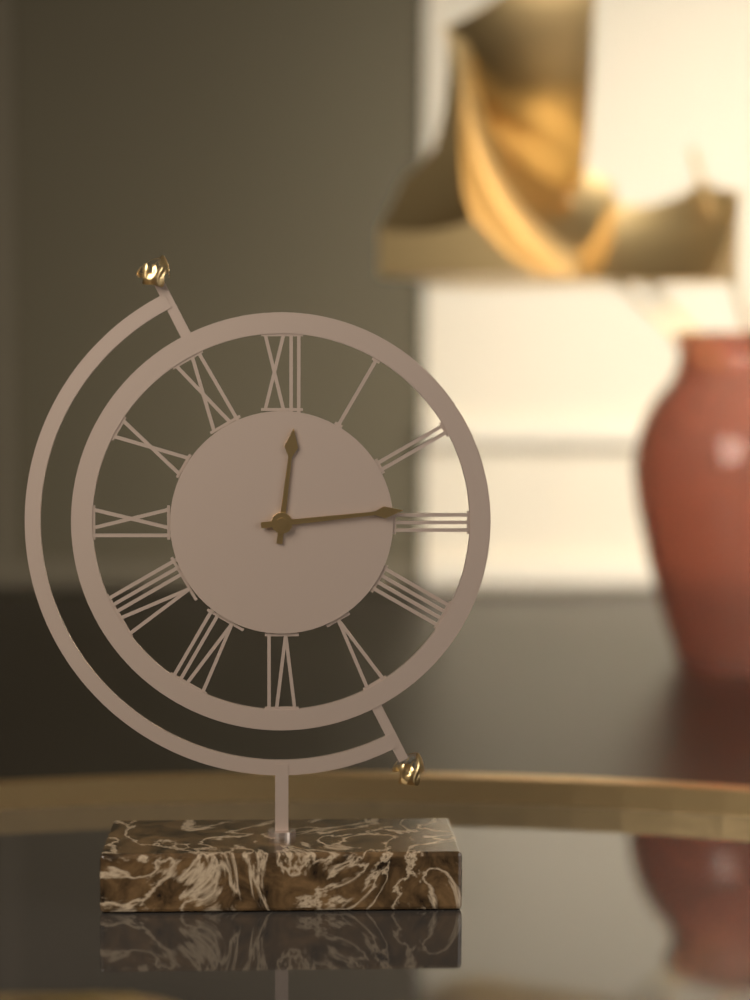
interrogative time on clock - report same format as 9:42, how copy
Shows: 12:14
